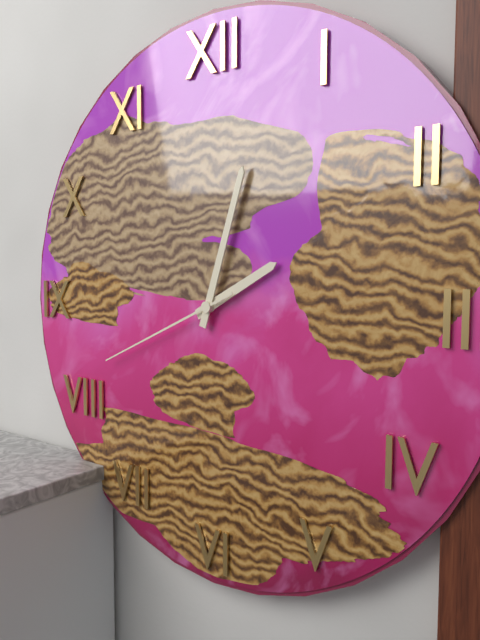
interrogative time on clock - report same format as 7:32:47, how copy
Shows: 2:03:41
